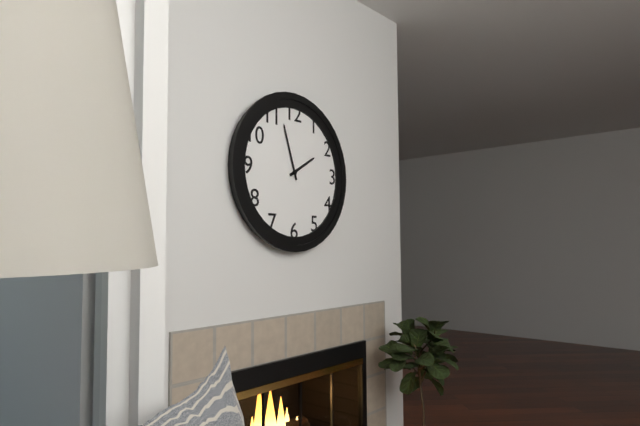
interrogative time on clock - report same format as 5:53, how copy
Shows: 1:57
